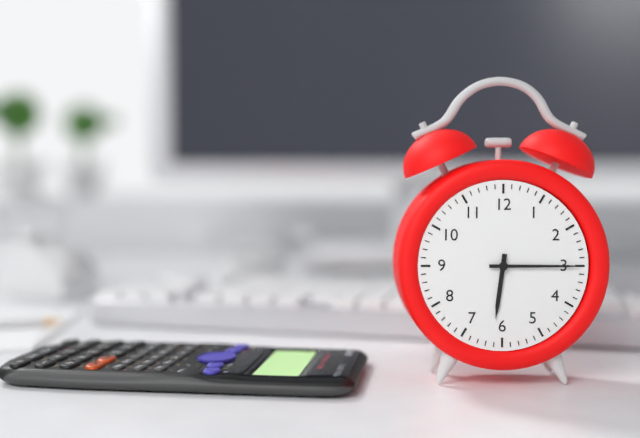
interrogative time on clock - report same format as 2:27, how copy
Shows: 6:15
